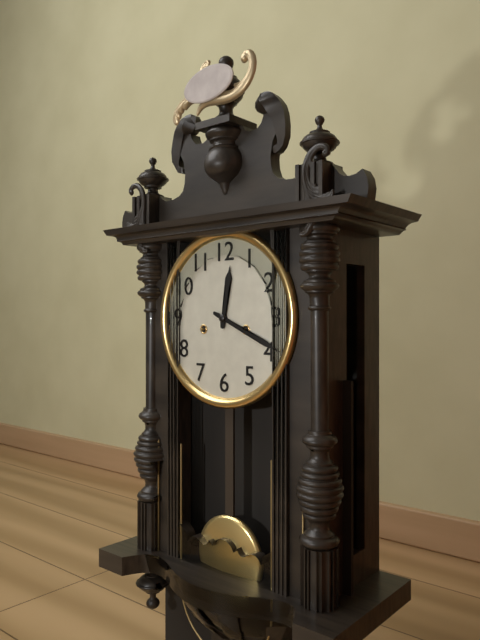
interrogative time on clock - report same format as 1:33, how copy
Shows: 12:19
